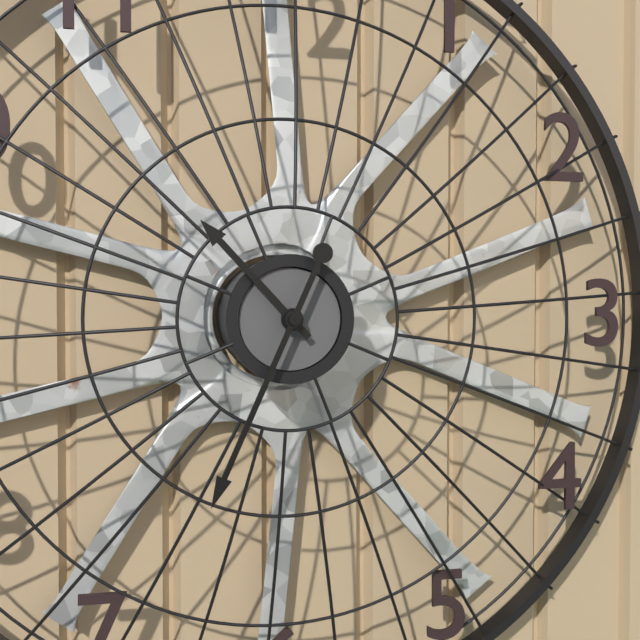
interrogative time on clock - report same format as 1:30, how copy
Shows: 10:34
